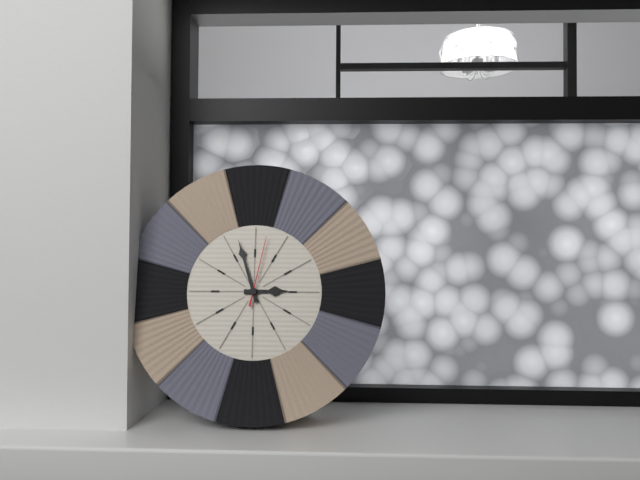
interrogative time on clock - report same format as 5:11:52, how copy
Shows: 2:57:02
